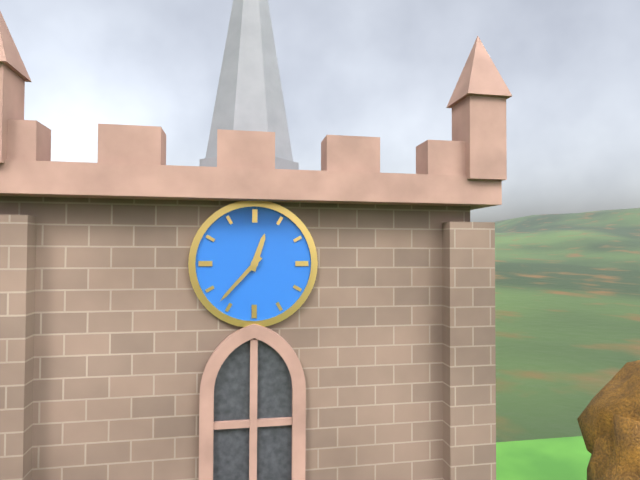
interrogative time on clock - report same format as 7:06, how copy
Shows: 12:37
